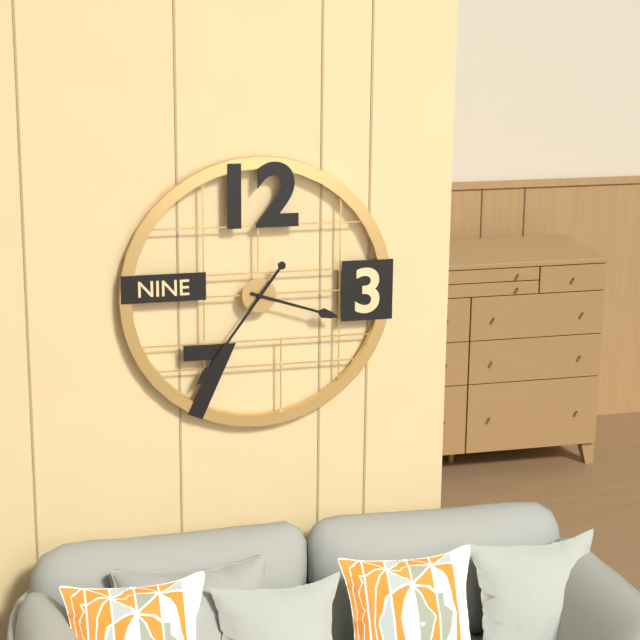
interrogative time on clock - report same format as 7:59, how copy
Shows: 3:36
